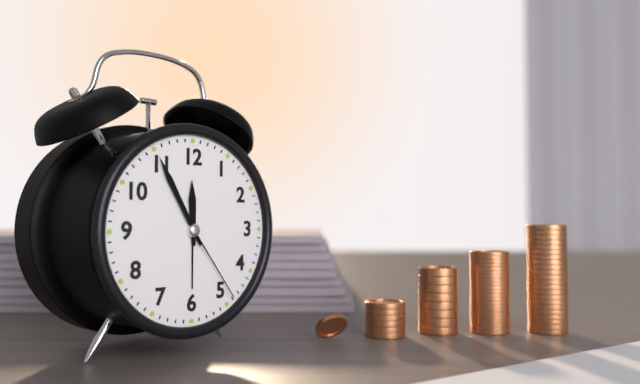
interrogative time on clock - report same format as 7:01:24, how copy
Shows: 11:55:24
